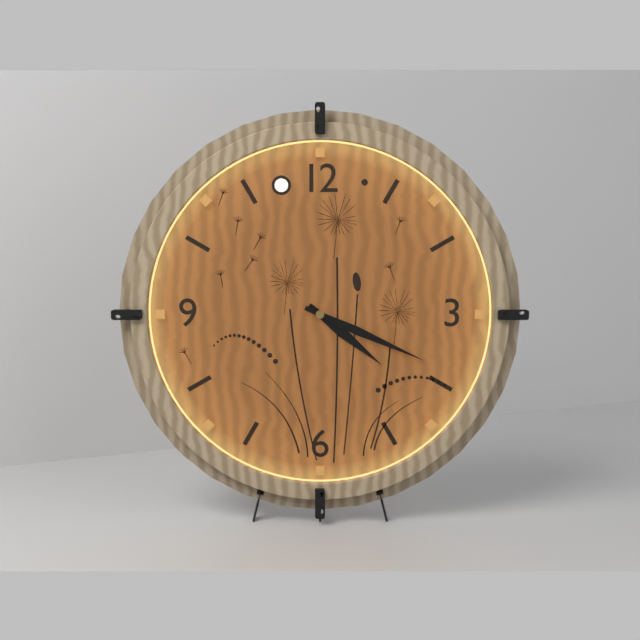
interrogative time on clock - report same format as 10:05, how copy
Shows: 4:19
